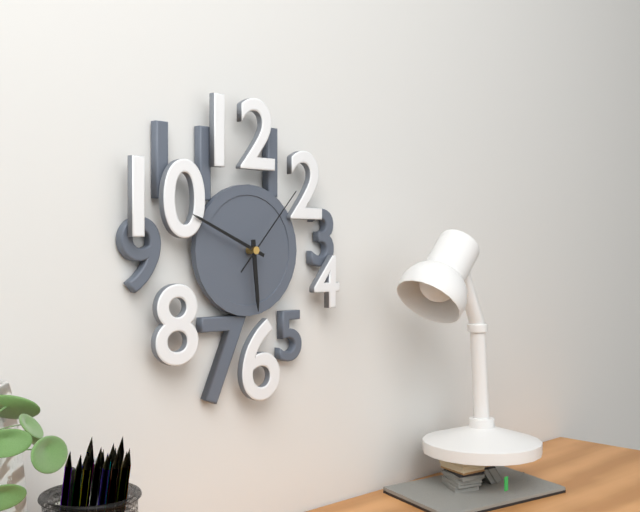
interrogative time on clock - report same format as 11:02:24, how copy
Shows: 5:49:07
